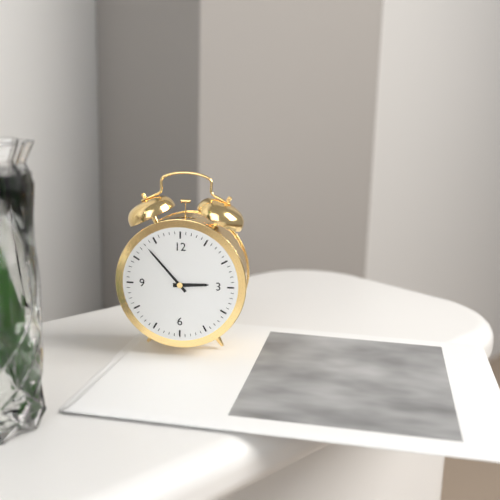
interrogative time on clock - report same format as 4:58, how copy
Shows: 2:53
